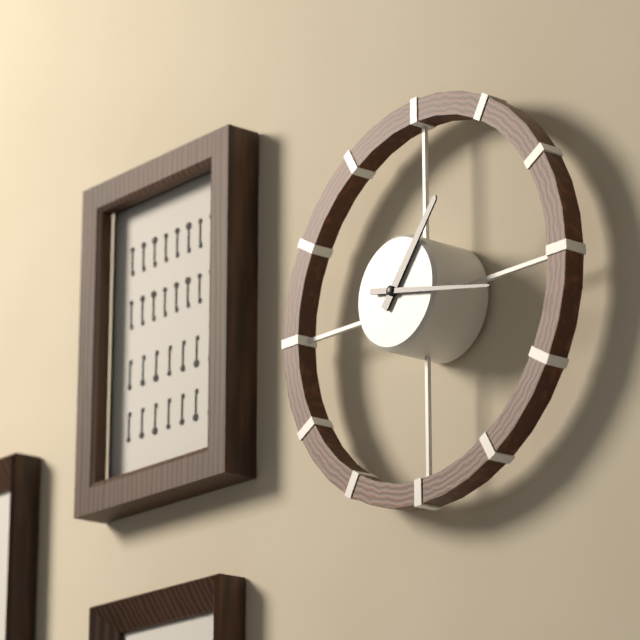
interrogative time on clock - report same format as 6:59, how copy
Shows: 1:17
